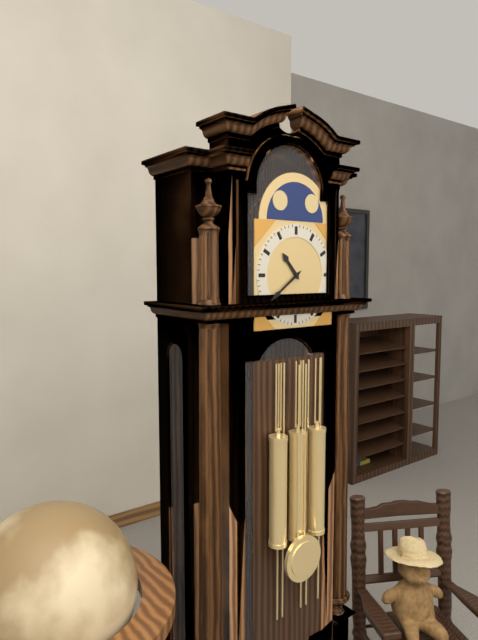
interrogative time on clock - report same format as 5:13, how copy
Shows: 10:39
